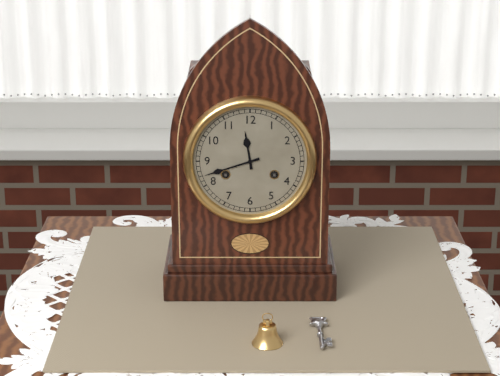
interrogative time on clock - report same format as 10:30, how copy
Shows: 11:42
